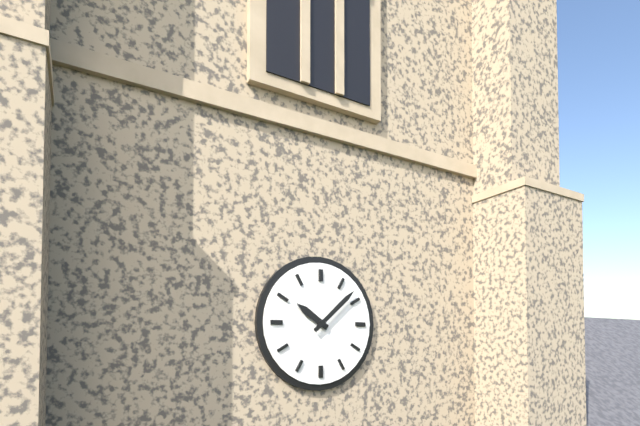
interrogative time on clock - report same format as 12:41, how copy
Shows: 10:08
